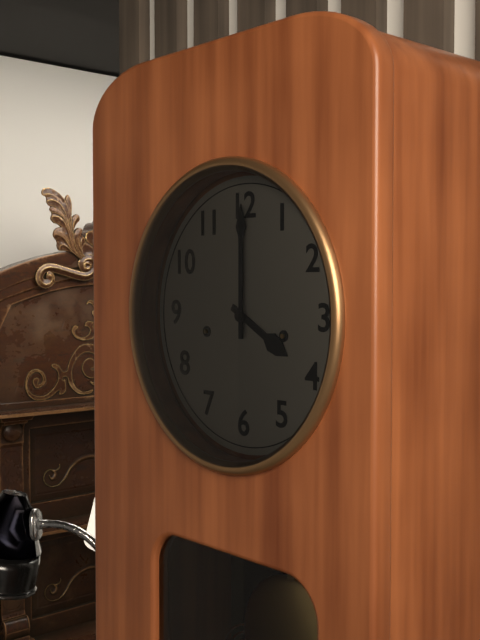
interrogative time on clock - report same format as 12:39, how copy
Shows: 4:00
